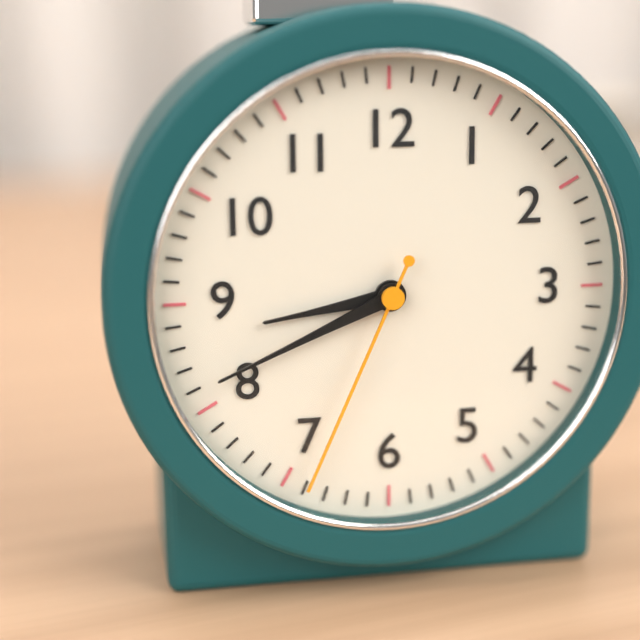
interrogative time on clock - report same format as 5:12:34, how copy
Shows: 8:41:34
